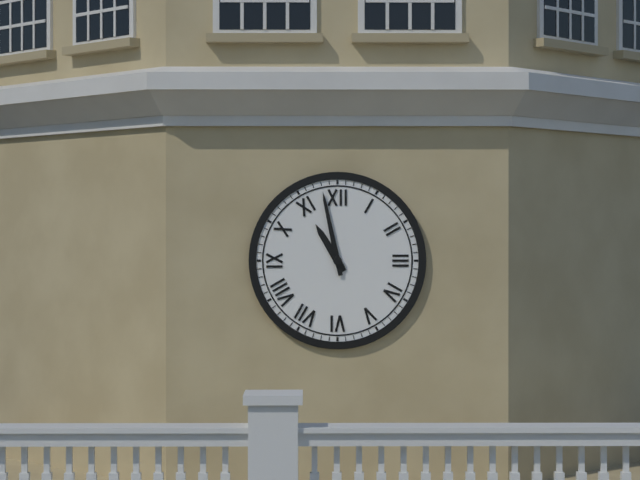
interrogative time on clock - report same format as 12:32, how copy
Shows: 10:58
